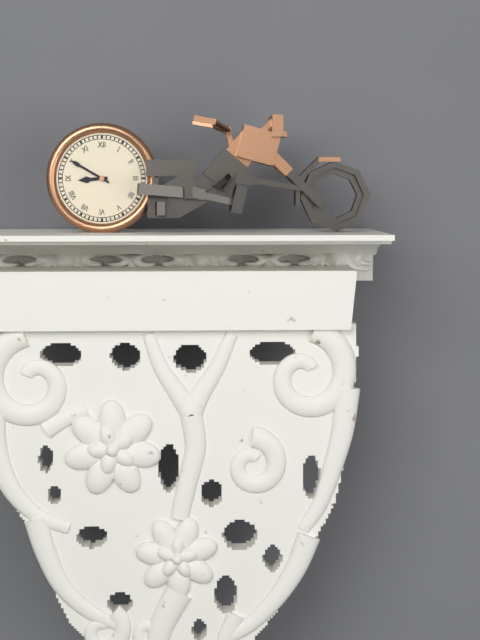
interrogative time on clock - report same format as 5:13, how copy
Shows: 8:50
